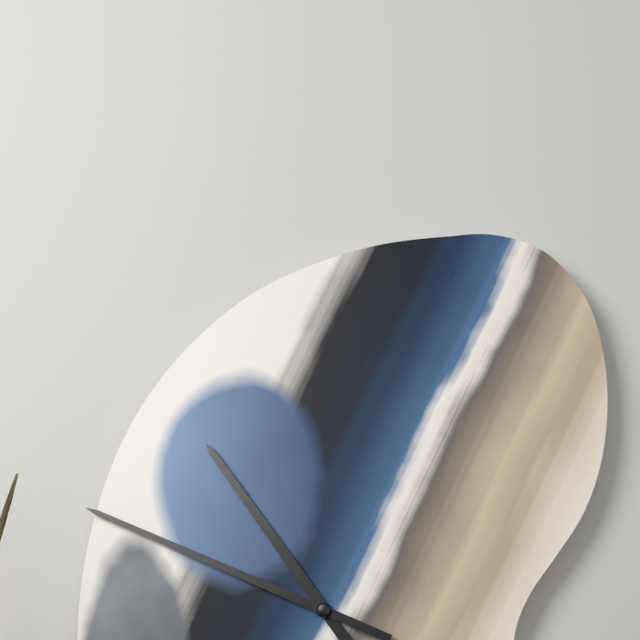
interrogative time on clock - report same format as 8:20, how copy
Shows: 10:49
